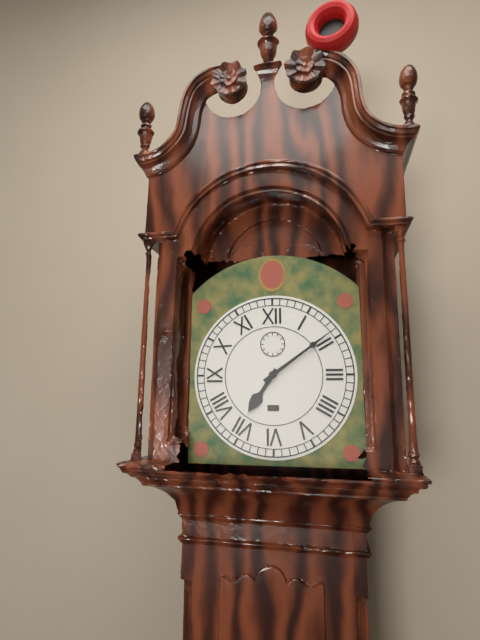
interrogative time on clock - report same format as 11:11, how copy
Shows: 7:09
